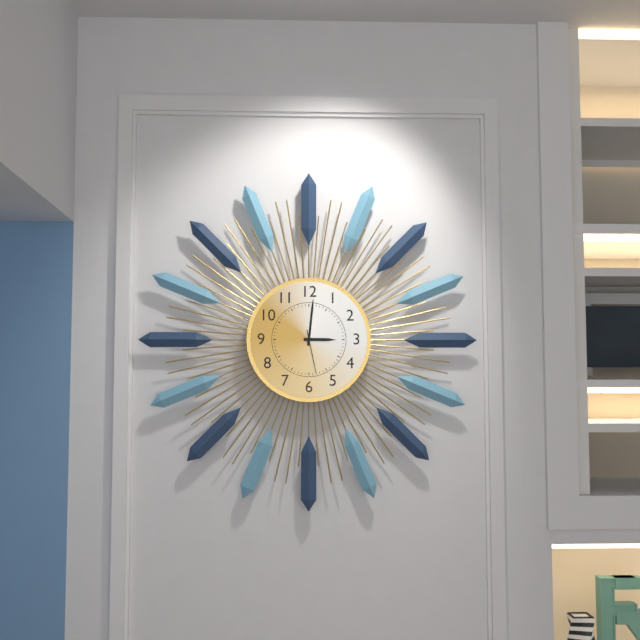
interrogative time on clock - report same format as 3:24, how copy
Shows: 3:01
